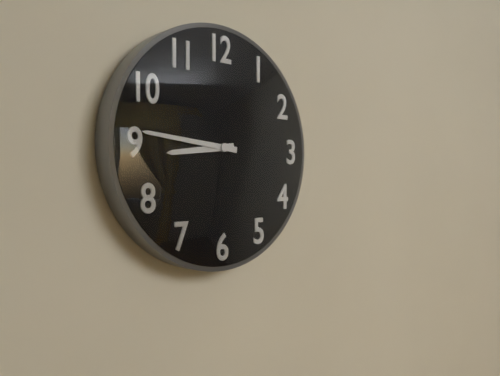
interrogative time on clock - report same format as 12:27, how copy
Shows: 8:46
